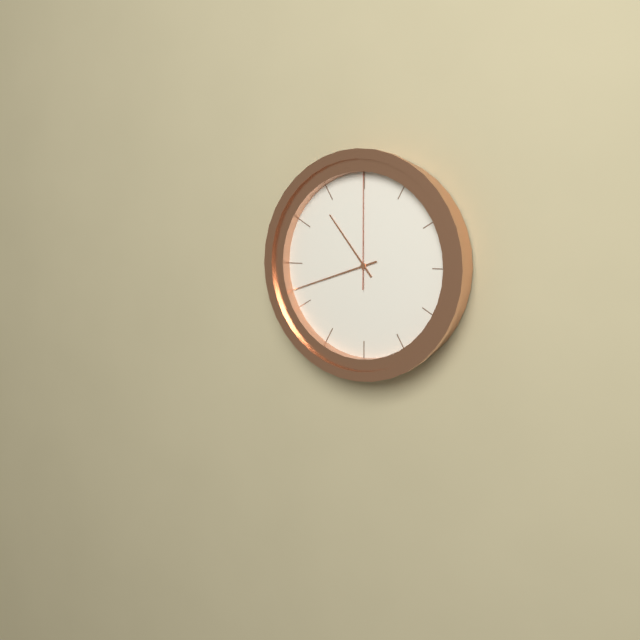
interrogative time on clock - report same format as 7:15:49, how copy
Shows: 10:42:00
